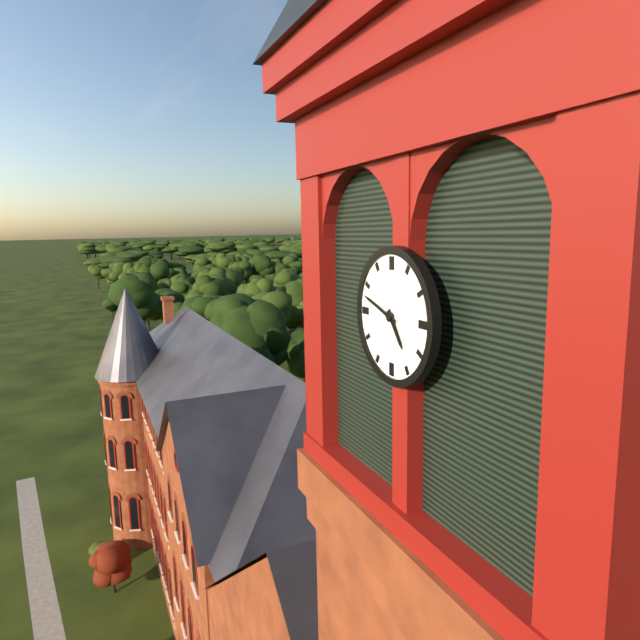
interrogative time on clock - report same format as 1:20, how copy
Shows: 4:48
